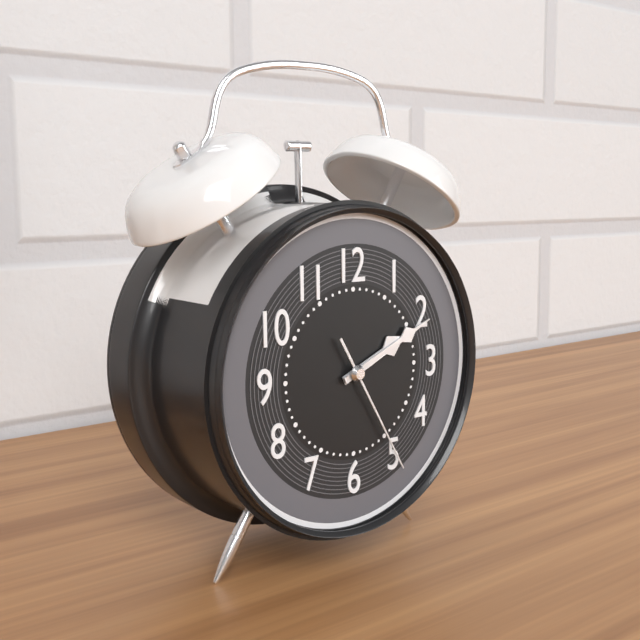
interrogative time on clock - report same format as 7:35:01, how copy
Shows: 2:11:25
